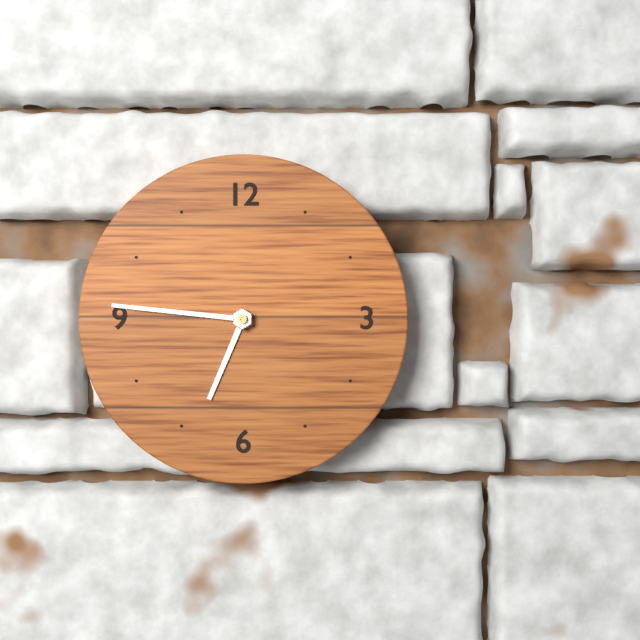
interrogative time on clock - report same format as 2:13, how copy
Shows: 6:46
